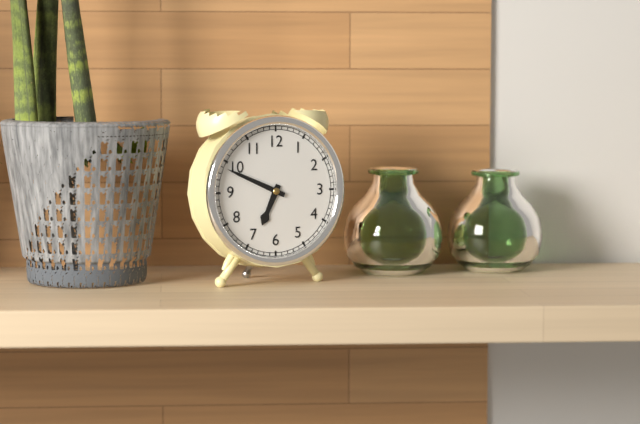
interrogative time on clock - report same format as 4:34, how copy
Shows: 6:49
